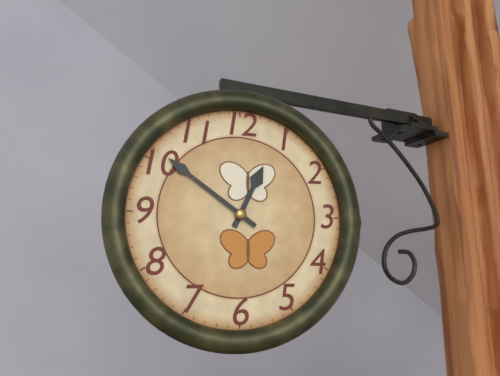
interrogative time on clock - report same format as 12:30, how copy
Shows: 12:51
